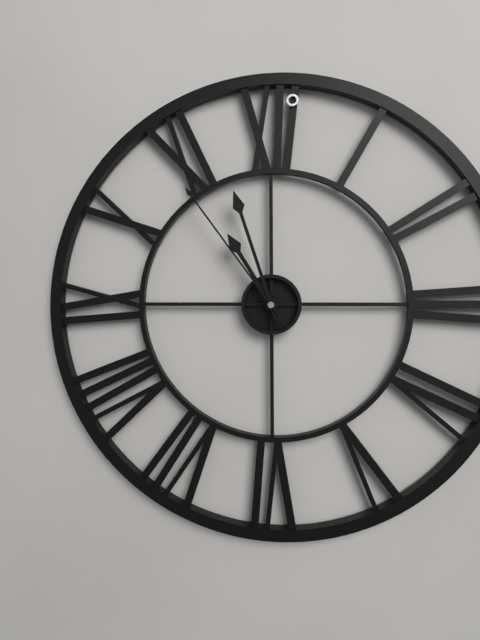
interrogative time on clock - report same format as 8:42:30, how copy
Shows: 10:57:54
